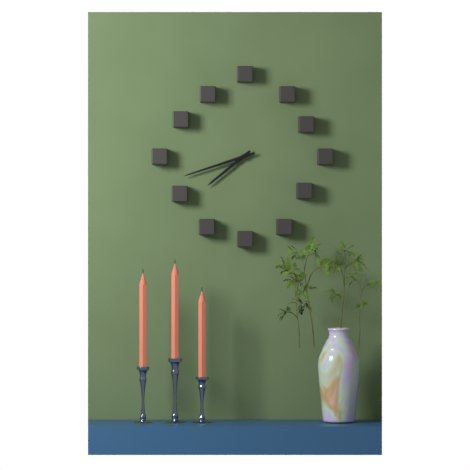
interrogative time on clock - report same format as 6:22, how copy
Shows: 7:42
